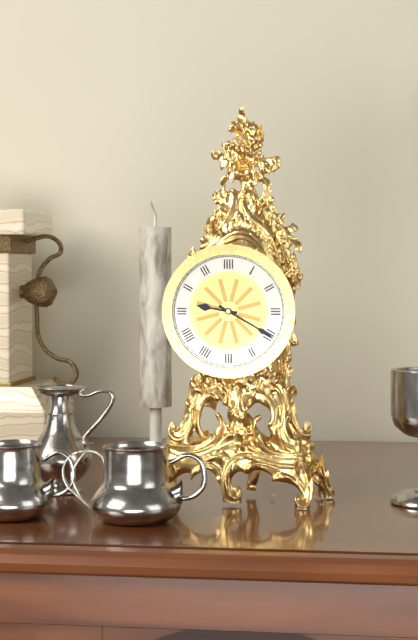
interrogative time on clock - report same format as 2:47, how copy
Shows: 9:20
